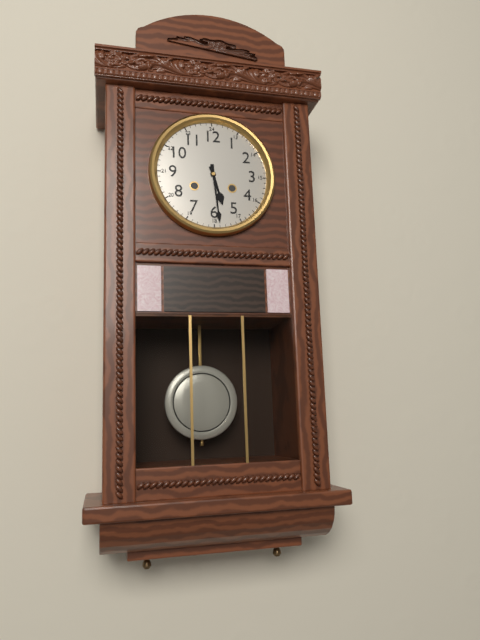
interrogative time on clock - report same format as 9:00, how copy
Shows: 5:29
